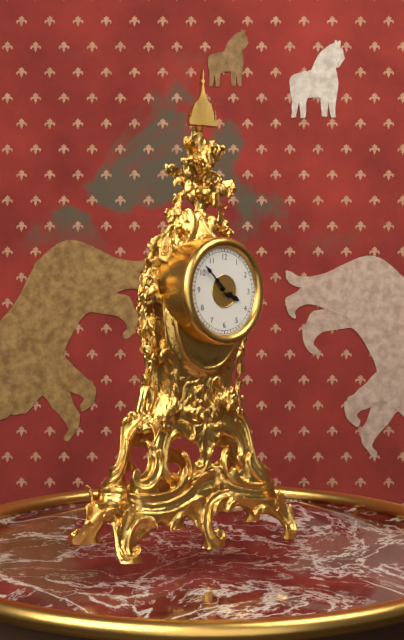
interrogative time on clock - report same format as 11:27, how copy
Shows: 3:52
